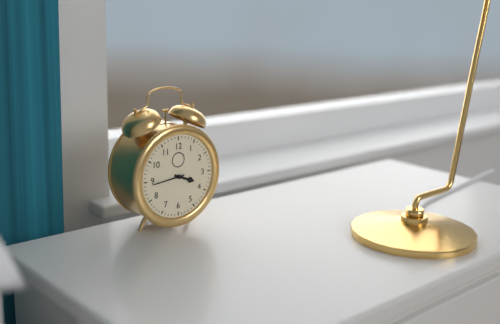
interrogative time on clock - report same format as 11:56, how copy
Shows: 3:44
